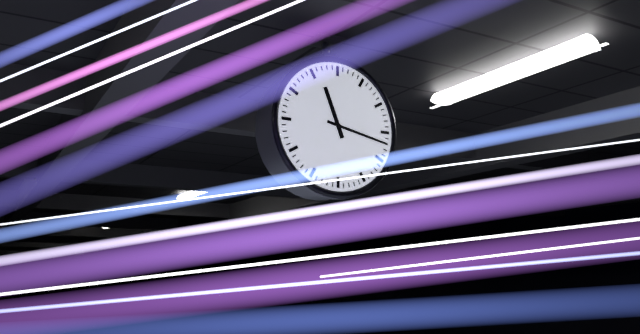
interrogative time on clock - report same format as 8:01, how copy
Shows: 11:17
